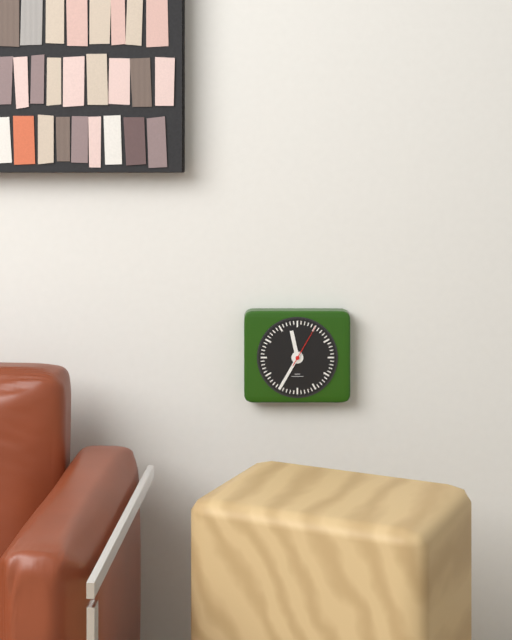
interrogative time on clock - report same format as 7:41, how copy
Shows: 11:35
